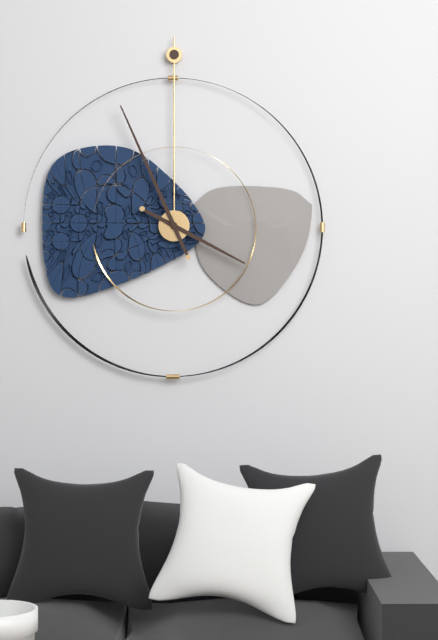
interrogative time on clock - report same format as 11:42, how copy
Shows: 3:56
